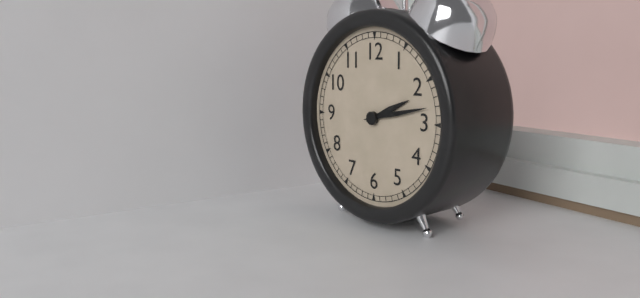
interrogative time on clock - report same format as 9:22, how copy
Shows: 2:13
